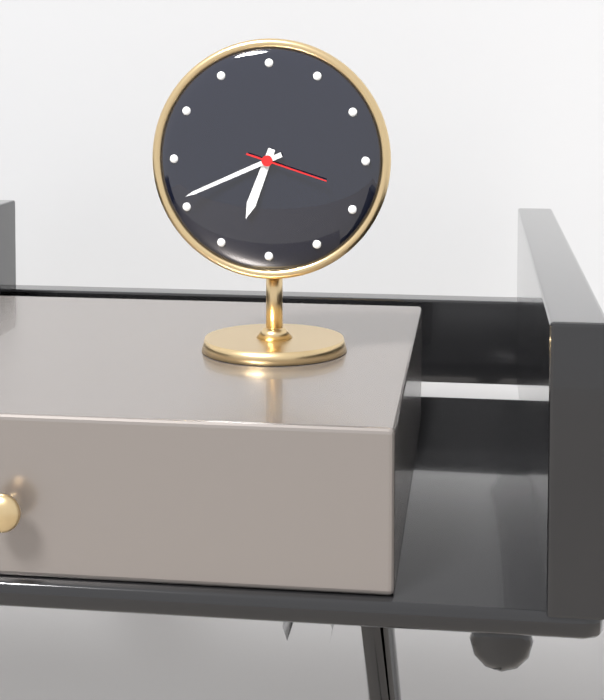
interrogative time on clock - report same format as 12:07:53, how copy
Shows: 6:41:18
